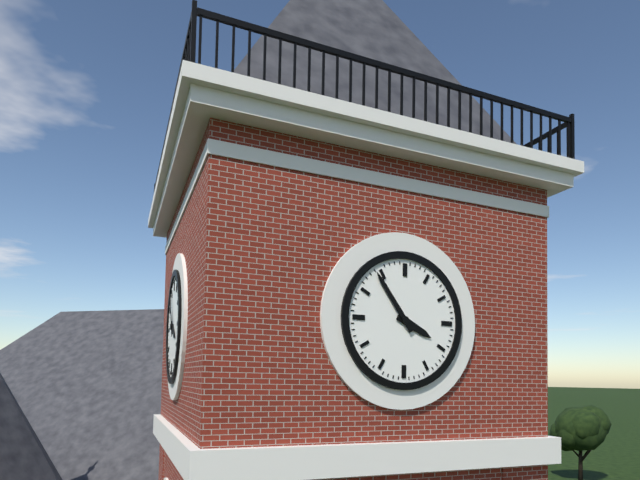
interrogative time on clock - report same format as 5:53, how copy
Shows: 3:54
